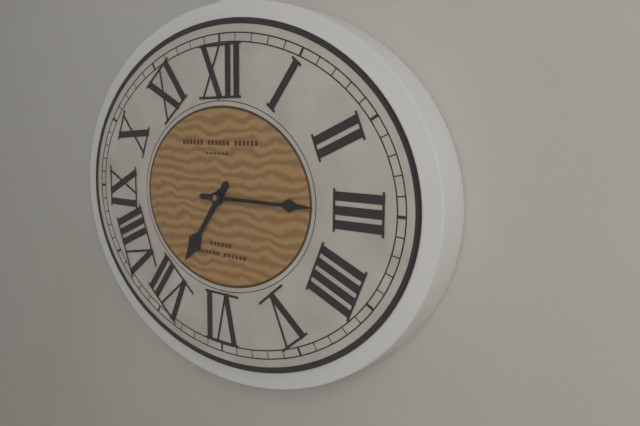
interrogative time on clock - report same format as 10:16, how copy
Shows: 7:15
